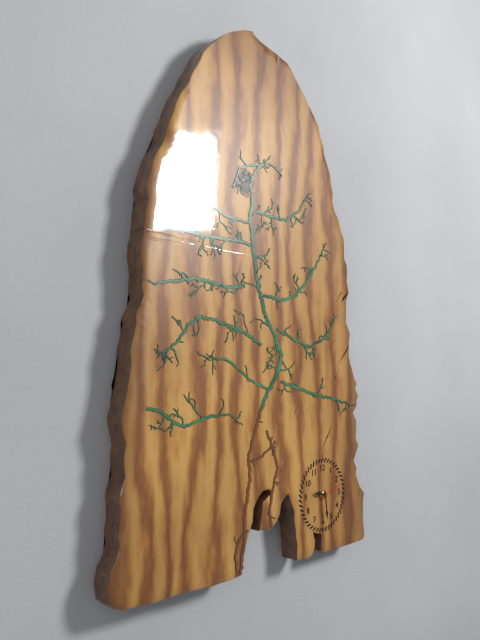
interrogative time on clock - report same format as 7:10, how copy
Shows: 9:29
